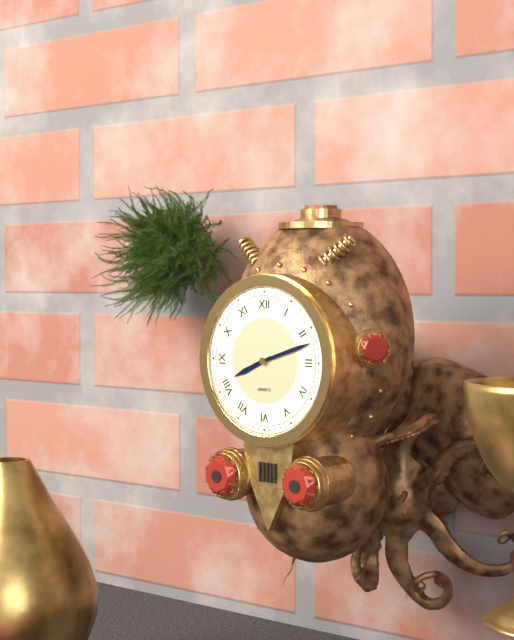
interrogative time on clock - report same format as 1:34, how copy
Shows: 8:12
